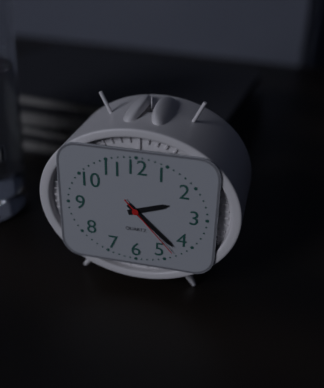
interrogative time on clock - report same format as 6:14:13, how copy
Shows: 2:22:23
